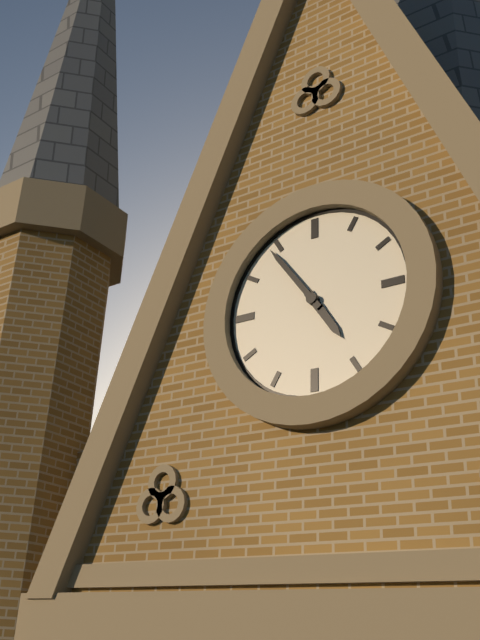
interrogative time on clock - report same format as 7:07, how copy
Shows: 4:54
